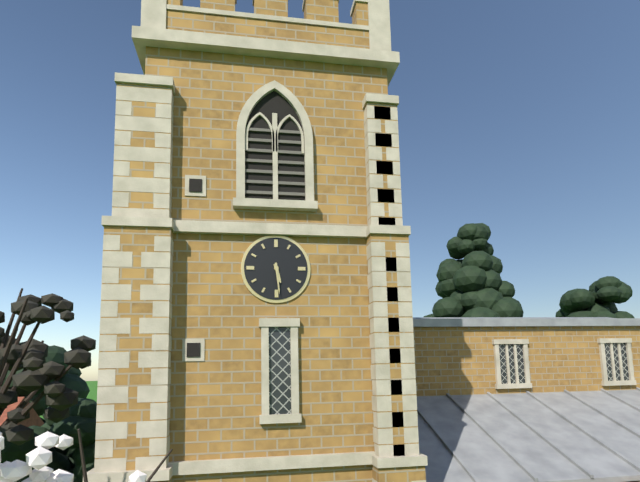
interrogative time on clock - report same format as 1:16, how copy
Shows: 5:29
